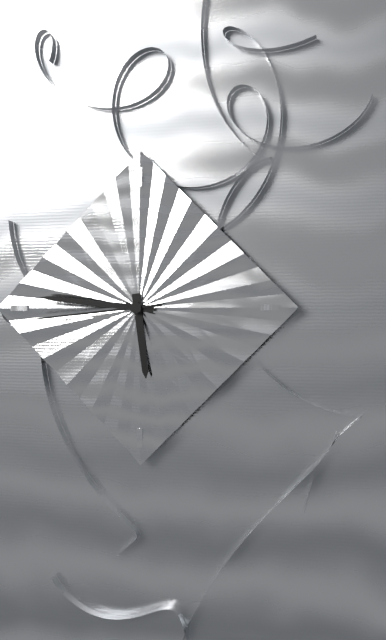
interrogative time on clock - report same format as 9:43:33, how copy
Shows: 5:46:44
